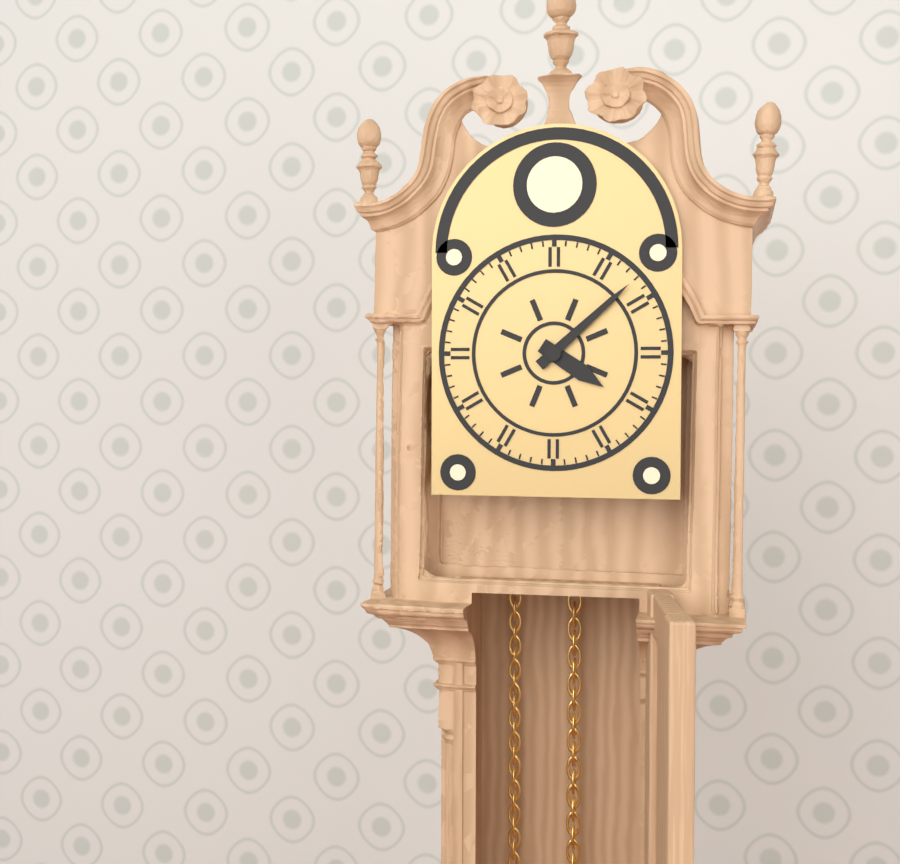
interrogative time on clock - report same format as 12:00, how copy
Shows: 4:08
